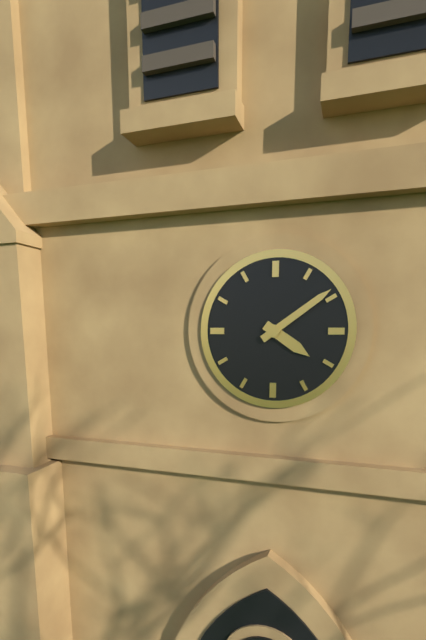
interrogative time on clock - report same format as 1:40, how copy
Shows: 4:09
